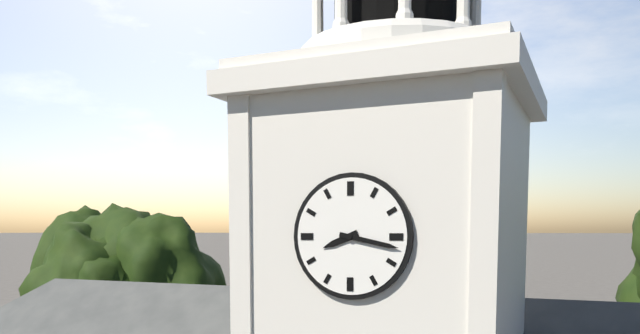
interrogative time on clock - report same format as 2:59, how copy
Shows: 8:17
